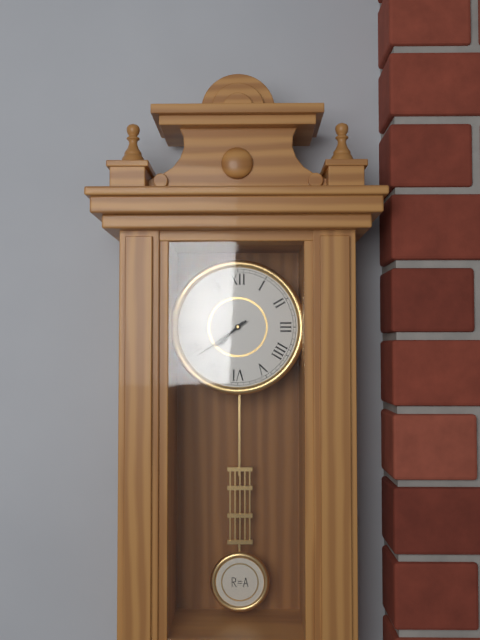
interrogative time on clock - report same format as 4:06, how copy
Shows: 7:39
